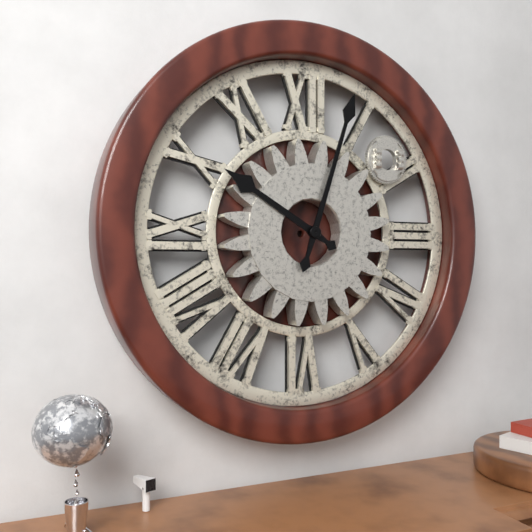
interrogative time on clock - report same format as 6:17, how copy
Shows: 10:03
